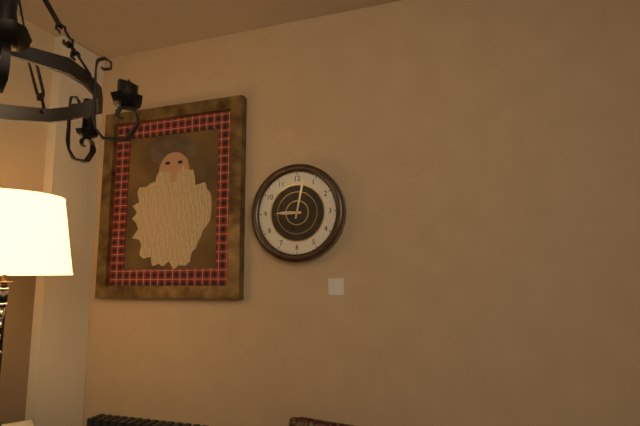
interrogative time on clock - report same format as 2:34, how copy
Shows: 9:02
